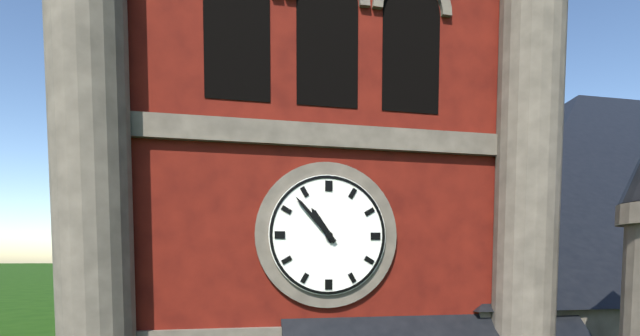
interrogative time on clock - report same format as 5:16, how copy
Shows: 10:53
